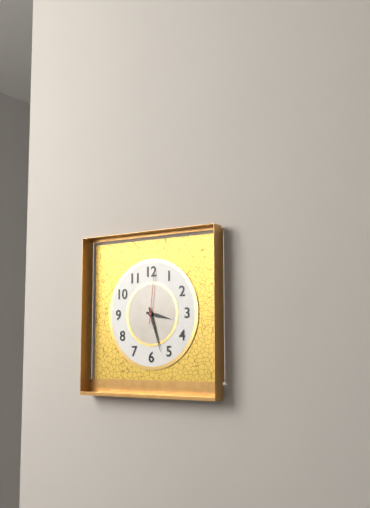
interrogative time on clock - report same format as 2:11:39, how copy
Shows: 3:27:01
